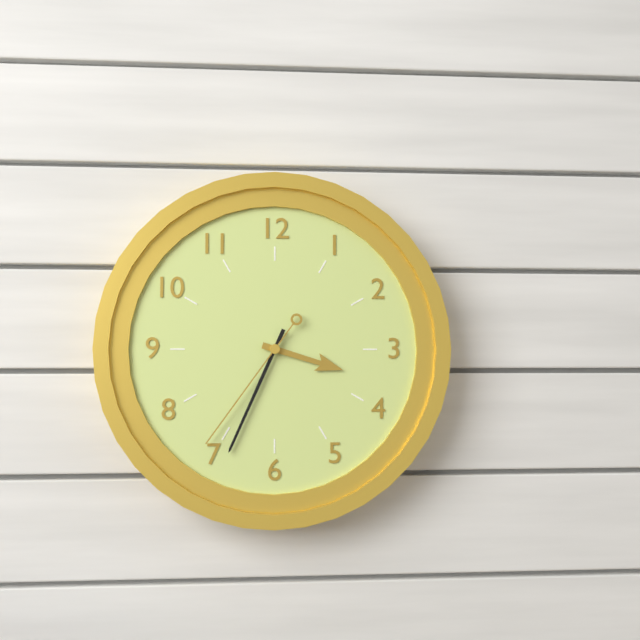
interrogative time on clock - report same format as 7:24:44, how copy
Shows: 3:34:36
